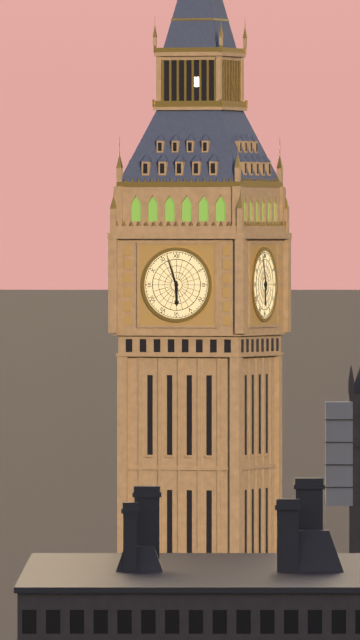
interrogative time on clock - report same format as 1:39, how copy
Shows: 5:57
